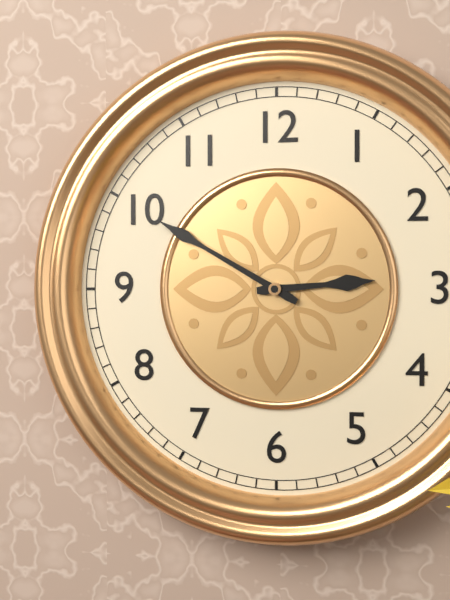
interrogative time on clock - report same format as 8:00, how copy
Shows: 2:50
